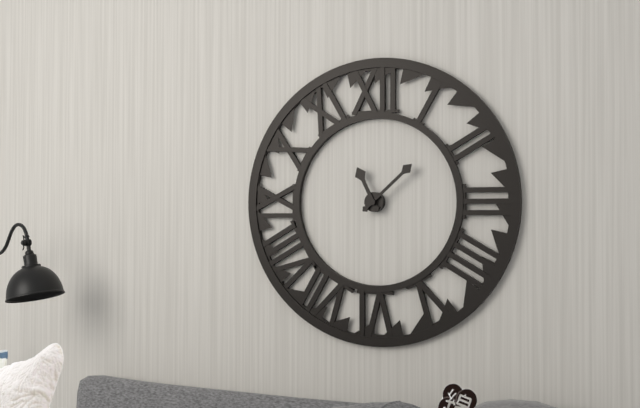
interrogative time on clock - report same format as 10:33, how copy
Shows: 11:08
